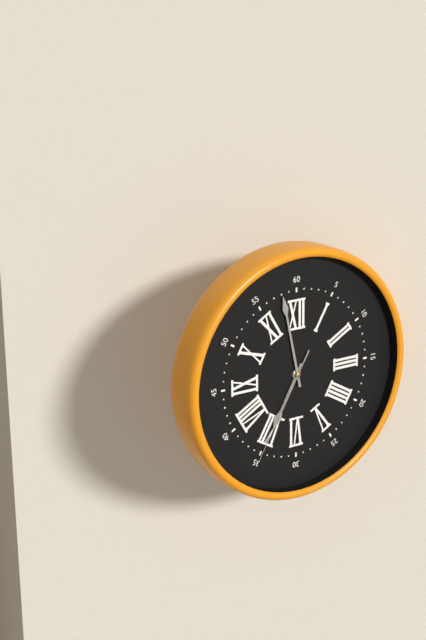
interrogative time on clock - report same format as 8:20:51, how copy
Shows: 6:58:35
